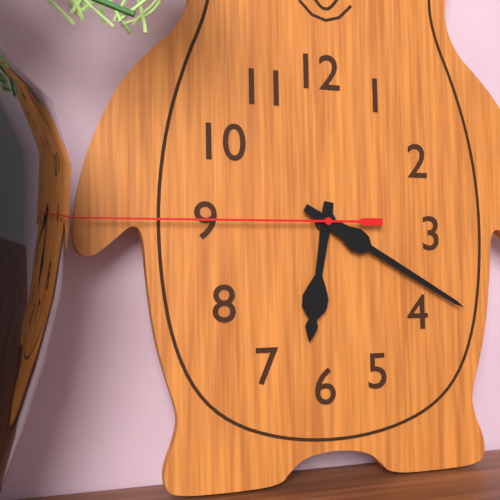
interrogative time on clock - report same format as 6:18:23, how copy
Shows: 6:20:45
